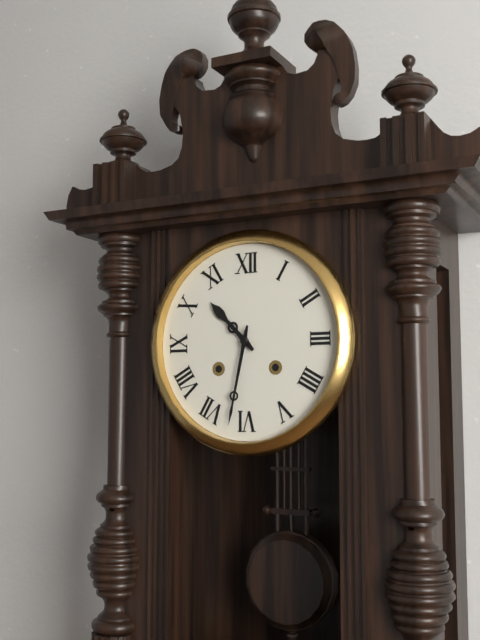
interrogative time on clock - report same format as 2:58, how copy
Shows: 10:32
